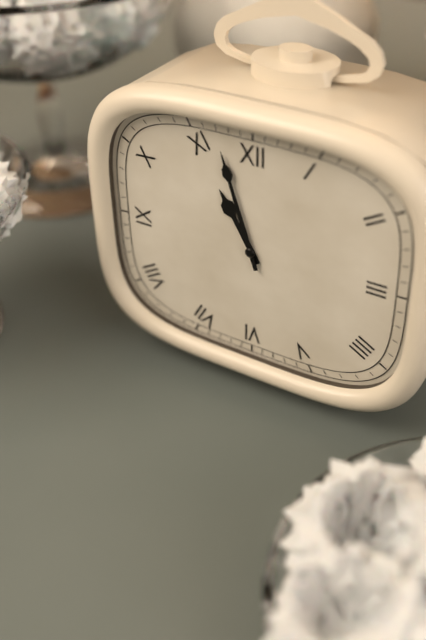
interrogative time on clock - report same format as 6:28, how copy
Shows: 10:57
